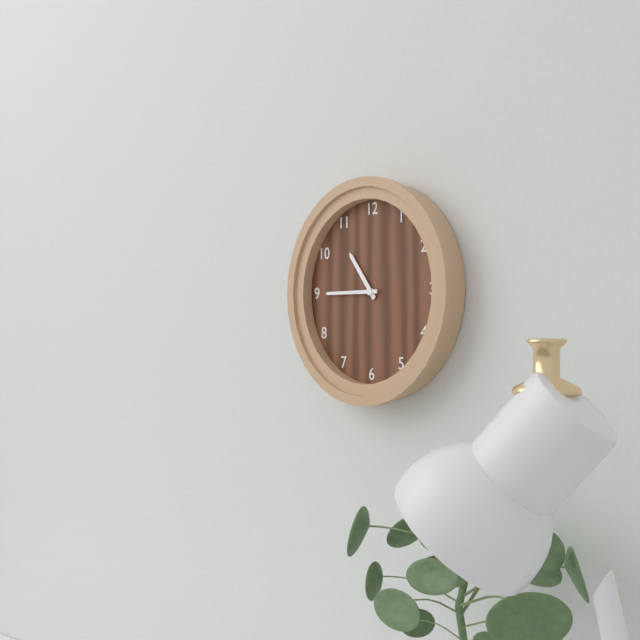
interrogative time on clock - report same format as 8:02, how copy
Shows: 10:45
